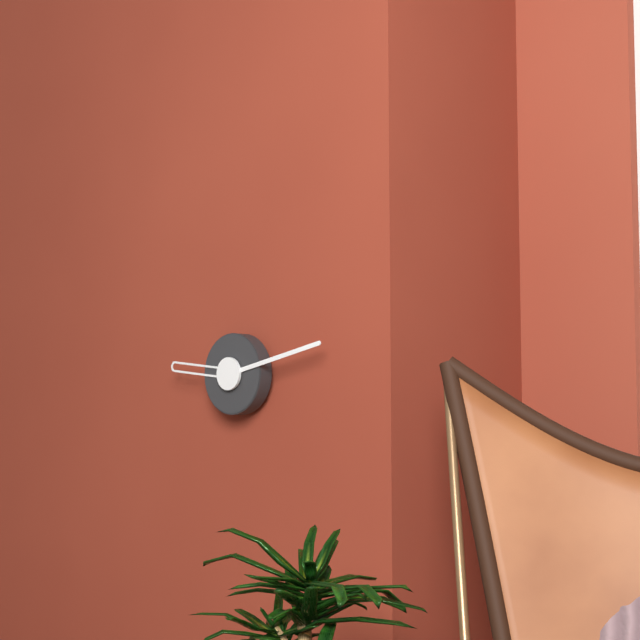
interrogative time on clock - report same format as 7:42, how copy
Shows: 9:13
